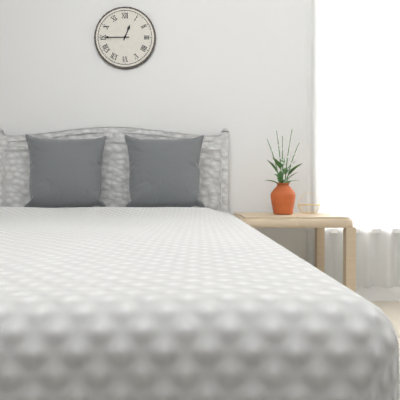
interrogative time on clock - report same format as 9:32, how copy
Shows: 12:45
